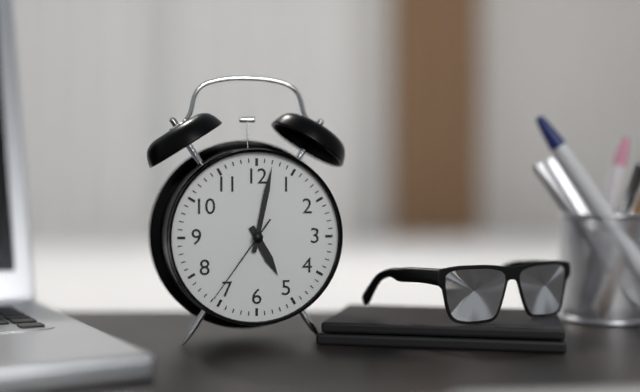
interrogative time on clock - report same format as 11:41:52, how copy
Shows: 5:02:36
